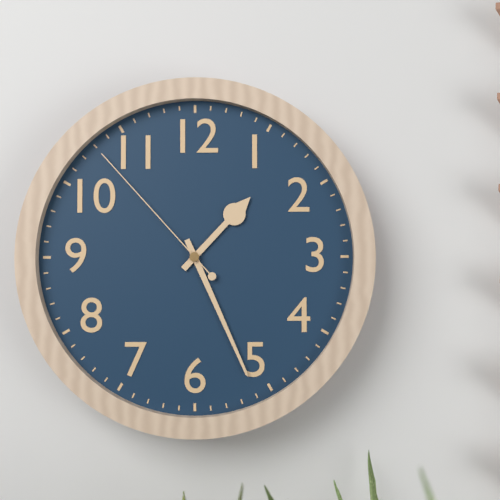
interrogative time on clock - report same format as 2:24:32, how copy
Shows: 1:26:53
